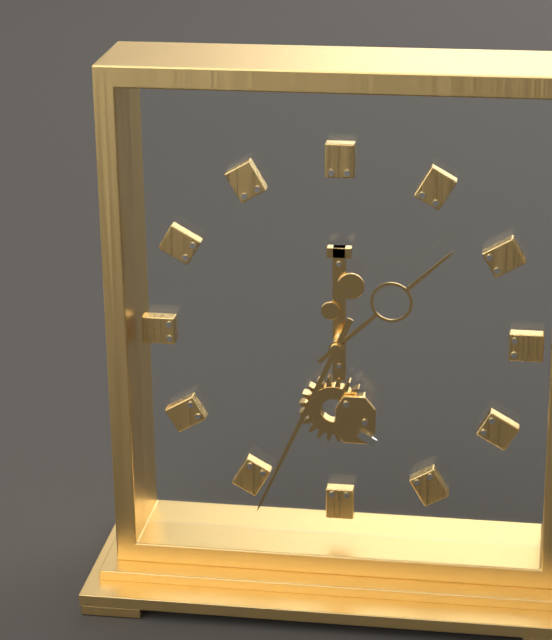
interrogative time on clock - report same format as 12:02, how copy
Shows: 1:34
